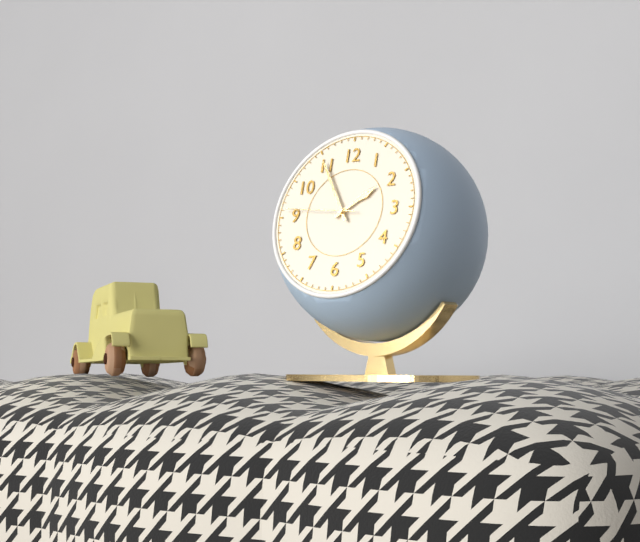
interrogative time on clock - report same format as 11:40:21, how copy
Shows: 1:55:46
